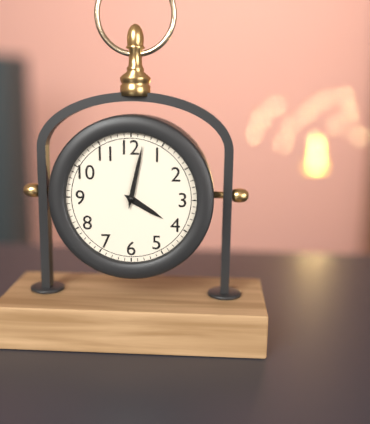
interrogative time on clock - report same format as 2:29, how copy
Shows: 4:02
